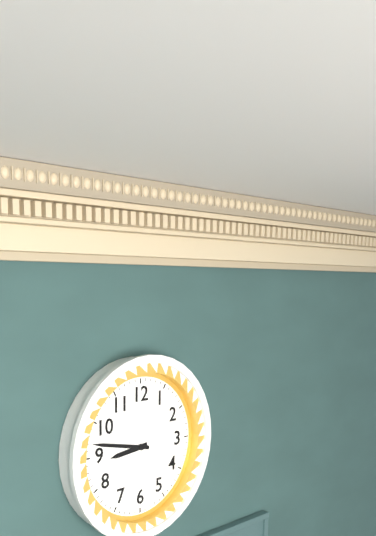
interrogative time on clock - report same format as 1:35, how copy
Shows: 8:47
